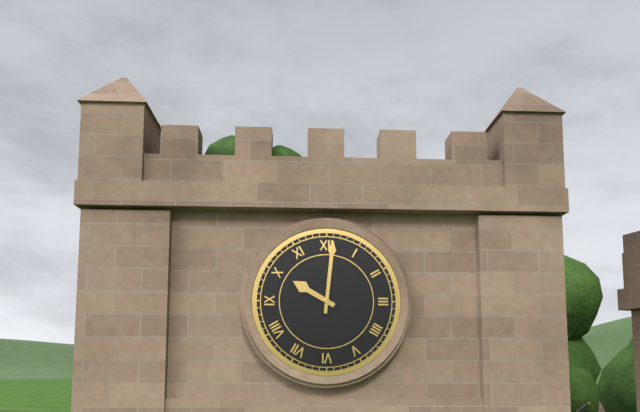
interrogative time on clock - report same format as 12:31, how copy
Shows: 10:01
